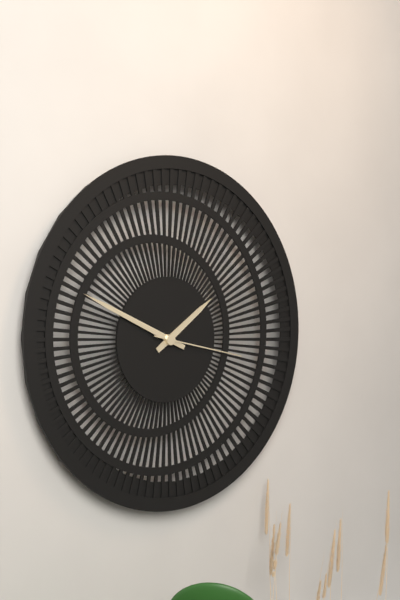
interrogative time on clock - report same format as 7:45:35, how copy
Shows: 1:49:17
